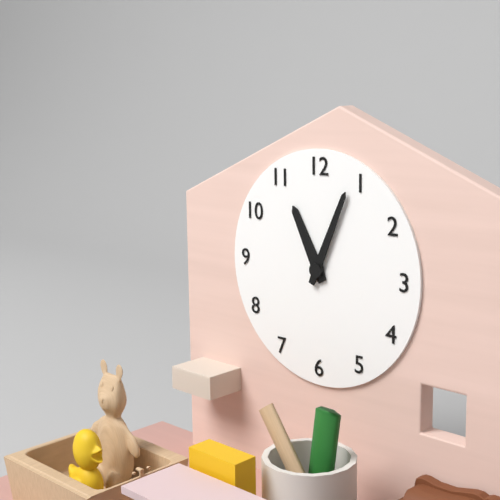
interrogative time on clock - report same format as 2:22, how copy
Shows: 11:04
